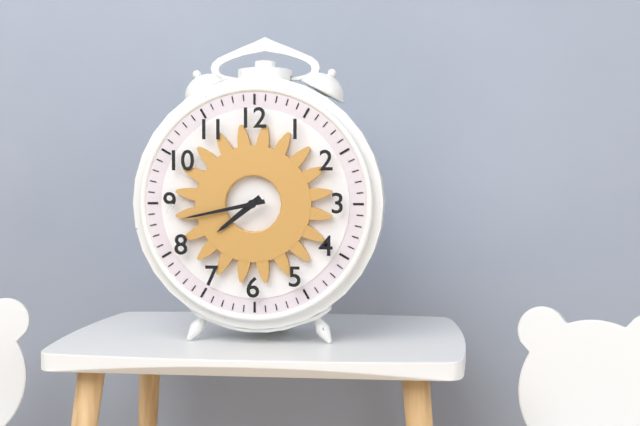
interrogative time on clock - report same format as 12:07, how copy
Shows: 7:43
